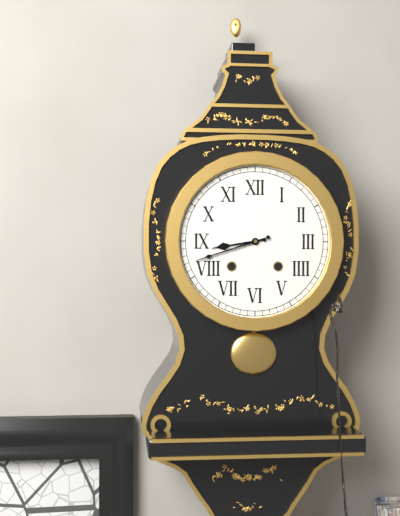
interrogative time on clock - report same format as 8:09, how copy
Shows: 8:42
